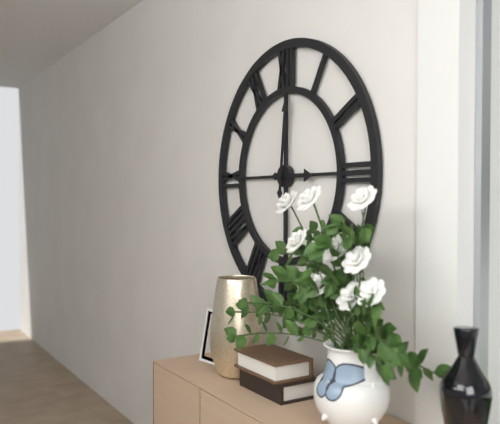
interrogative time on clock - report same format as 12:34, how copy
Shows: 3:01
